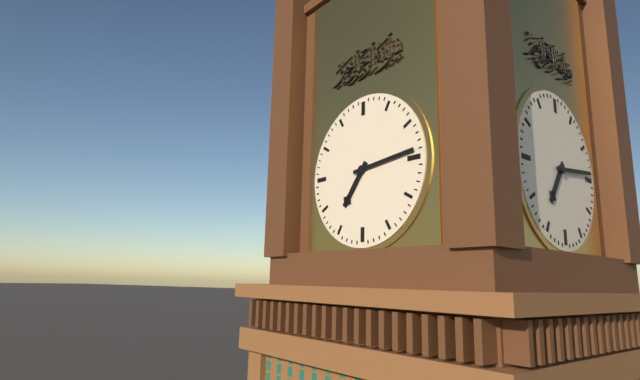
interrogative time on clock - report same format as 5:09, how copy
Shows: 7:14
